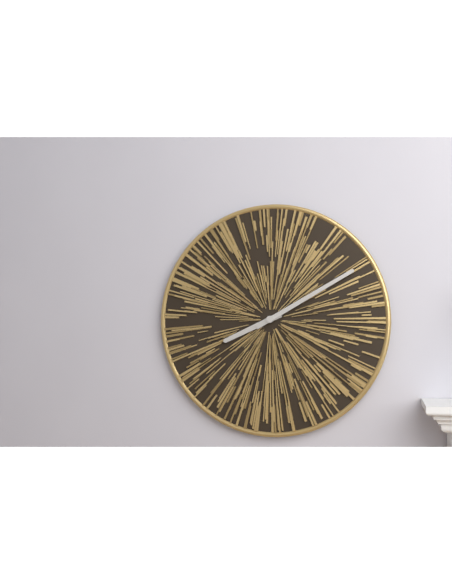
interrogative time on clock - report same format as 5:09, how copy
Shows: 8:10
